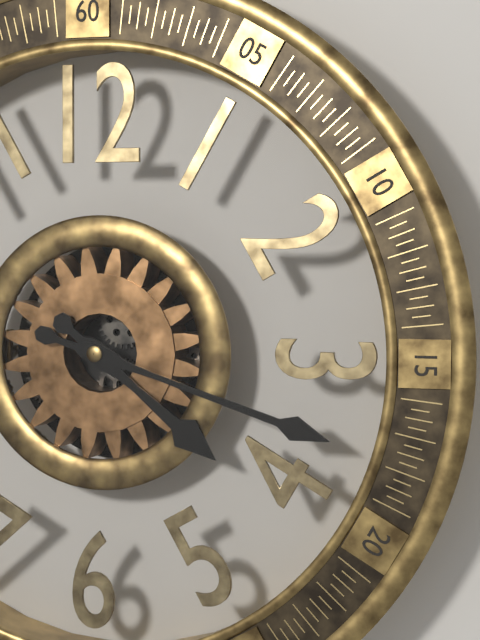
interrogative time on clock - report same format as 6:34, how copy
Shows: 4:18
